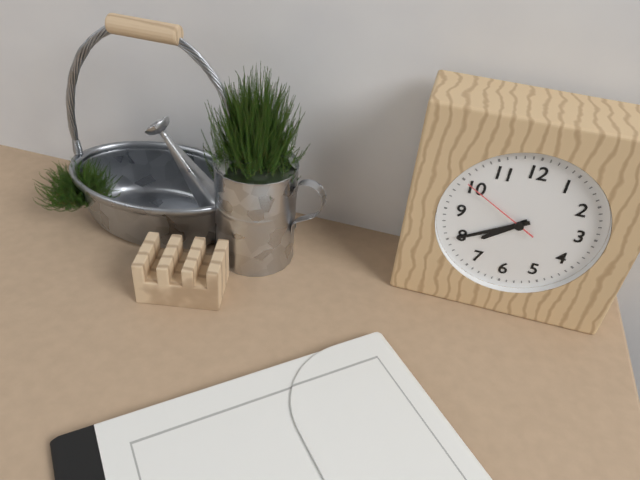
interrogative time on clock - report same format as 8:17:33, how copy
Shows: 7:40:50
